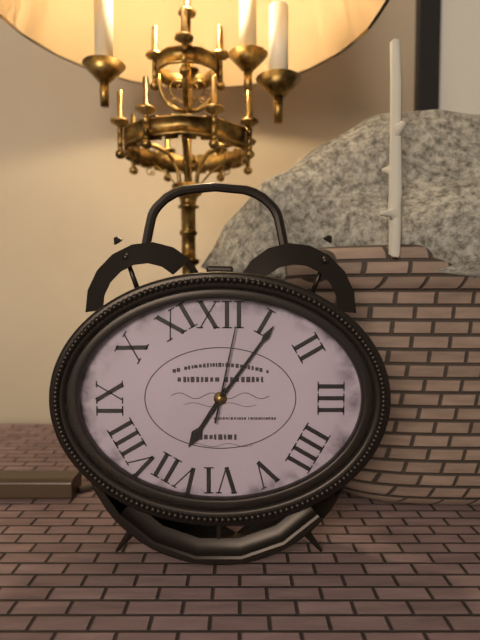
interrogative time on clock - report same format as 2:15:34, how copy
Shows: 7:06:02
